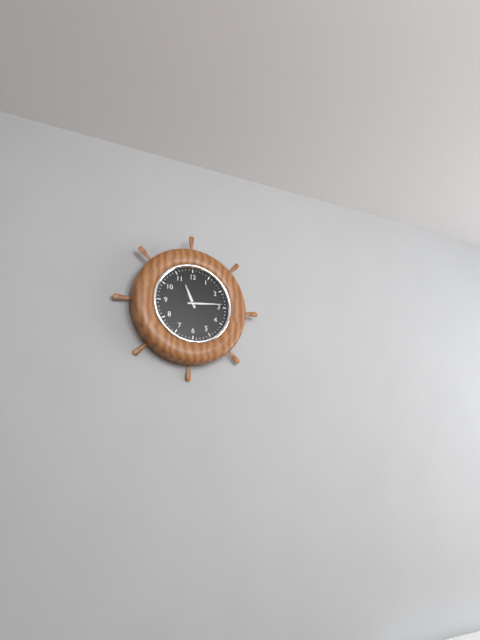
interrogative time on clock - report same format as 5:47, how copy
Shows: 11:14
